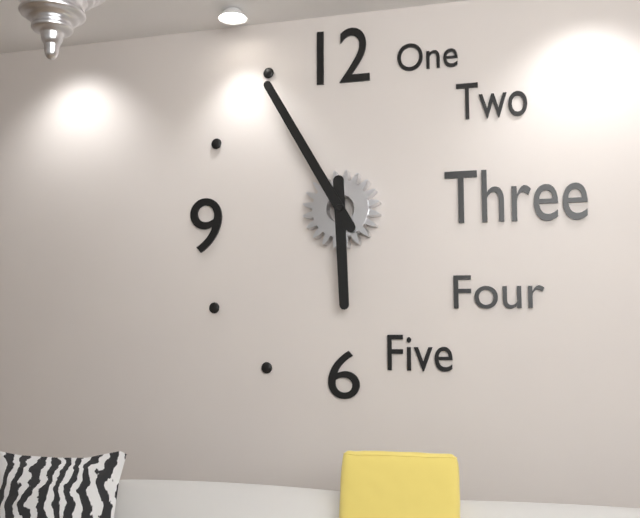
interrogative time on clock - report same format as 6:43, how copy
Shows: 5:55
